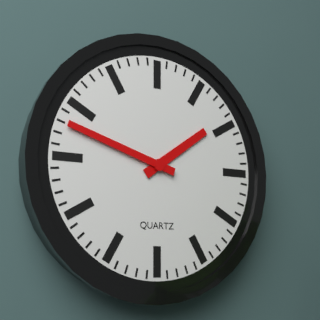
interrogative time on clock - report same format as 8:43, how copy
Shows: 1:48
